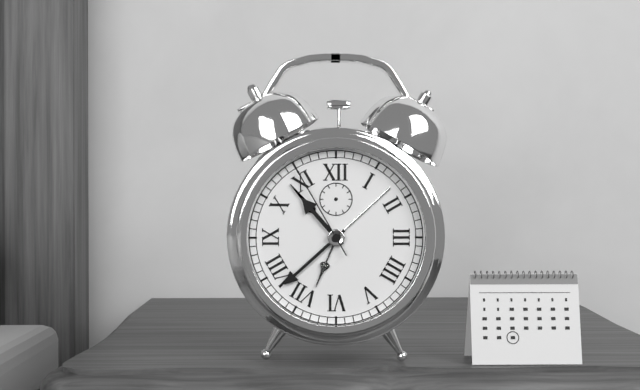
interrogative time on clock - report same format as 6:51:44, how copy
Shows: 10:38:55
